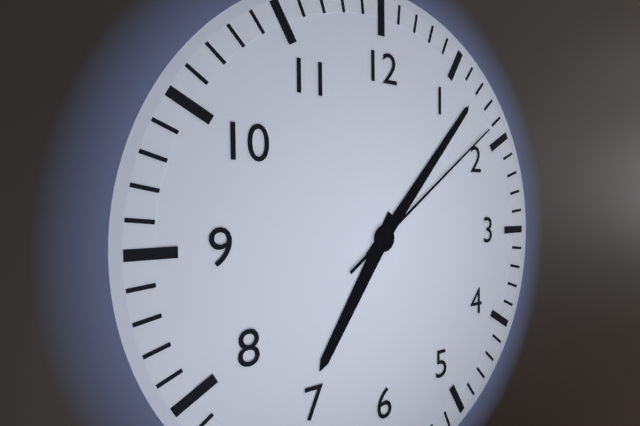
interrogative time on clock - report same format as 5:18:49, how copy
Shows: 7:07:09
